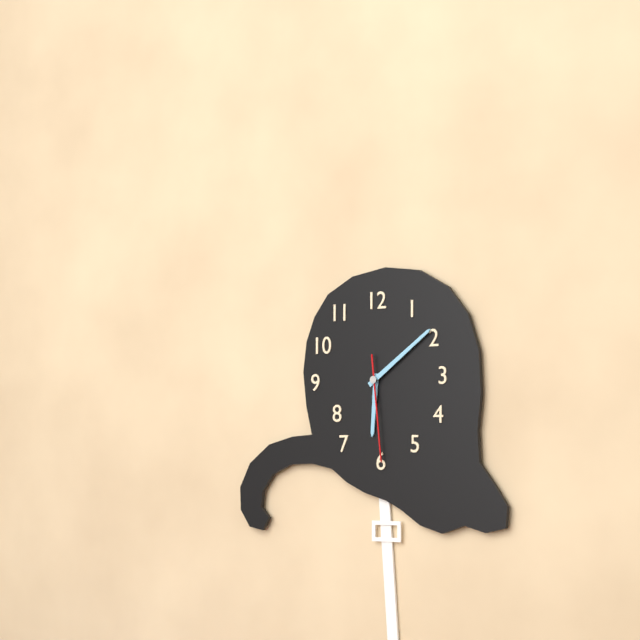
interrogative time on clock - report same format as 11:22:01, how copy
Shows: 6:09:29
